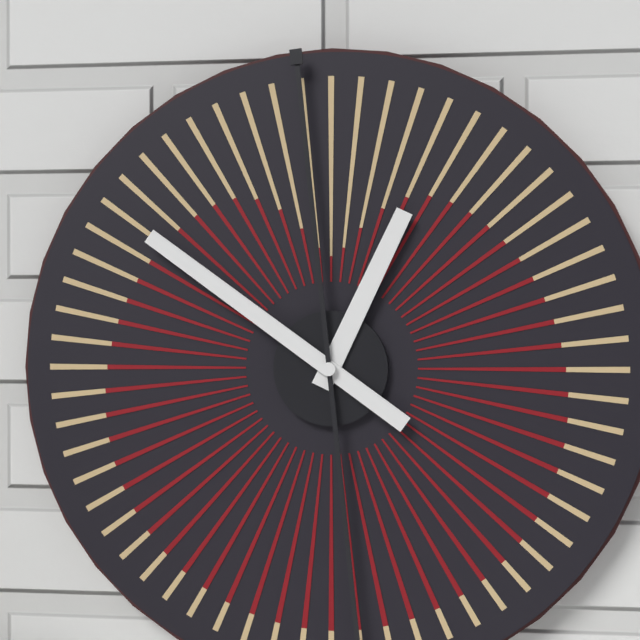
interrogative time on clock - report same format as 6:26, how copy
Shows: 12:51
